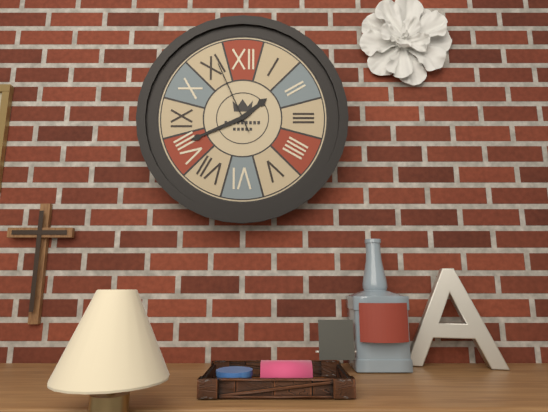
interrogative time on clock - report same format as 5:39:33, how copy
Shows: 1:41:56
